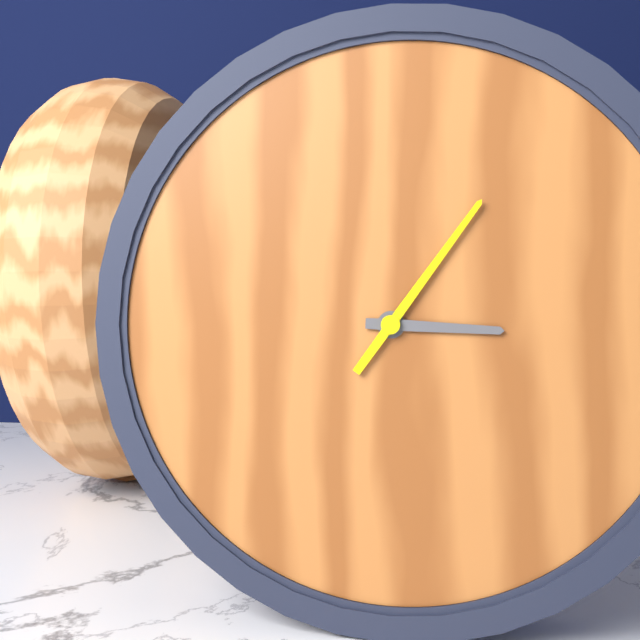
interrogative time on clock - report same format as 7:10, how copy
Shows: 3:06
